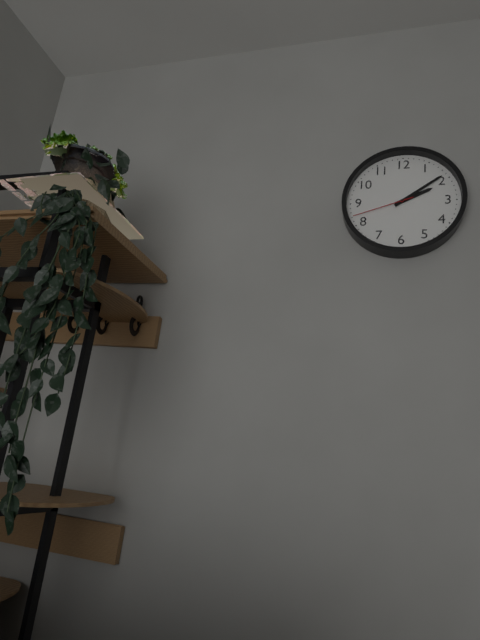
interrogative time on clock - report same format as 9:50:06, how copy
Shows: 2:09:42
